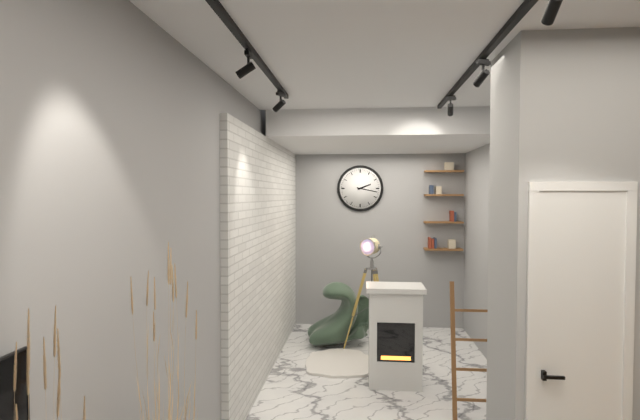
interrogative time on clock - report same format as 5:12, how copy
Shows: 2:17
